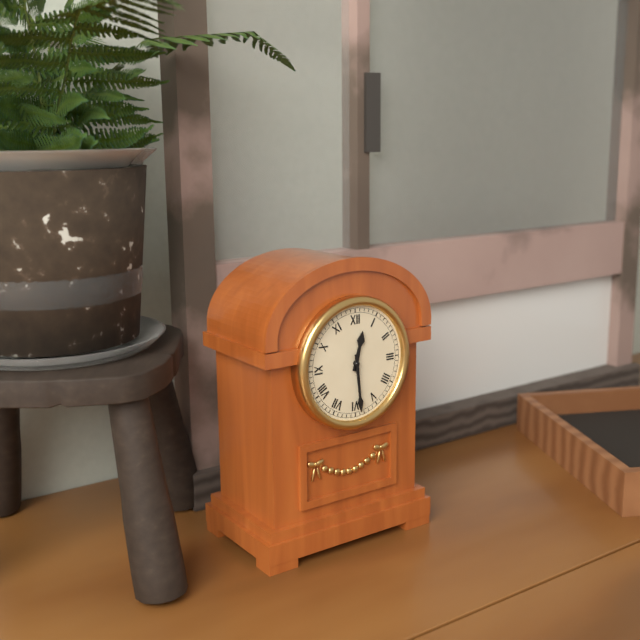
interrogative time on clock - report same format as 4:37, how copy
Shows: 12:29
